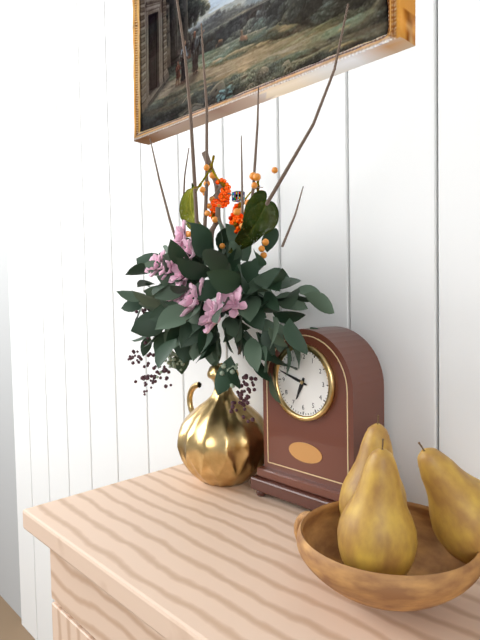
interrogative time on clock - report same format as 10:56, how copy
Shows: 6:48
